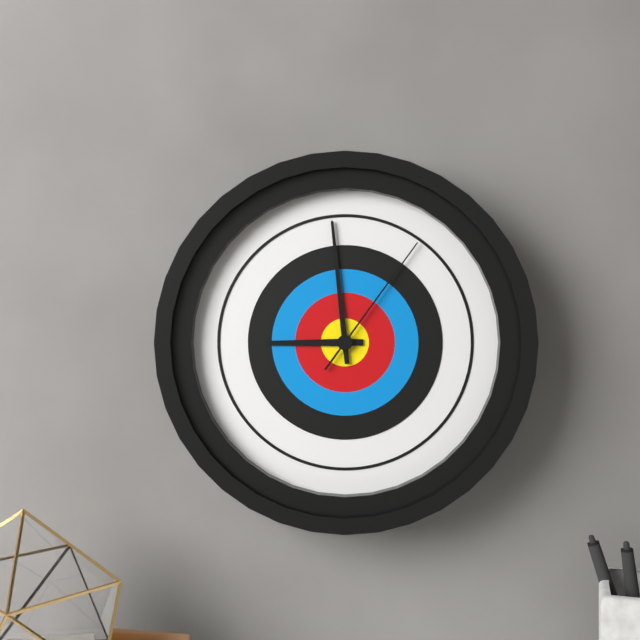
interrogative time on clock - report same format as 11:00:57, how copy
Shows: 8:59:06
